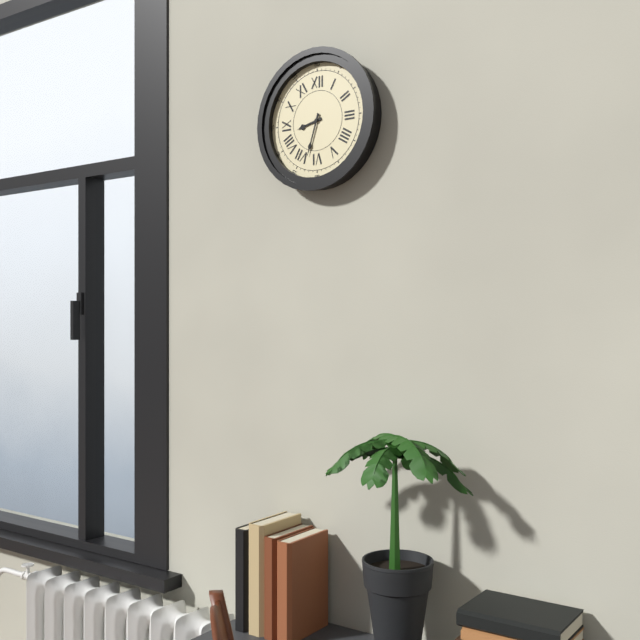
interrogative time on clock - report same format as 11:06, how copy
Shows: 8:33
